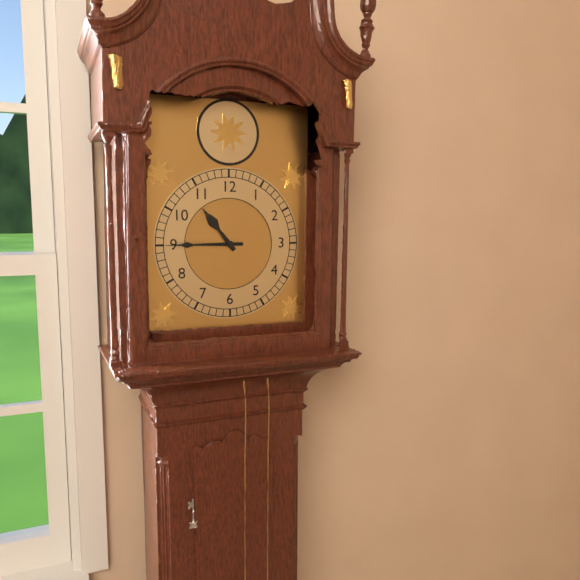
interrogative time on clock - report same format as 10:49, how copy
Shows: 10:45
